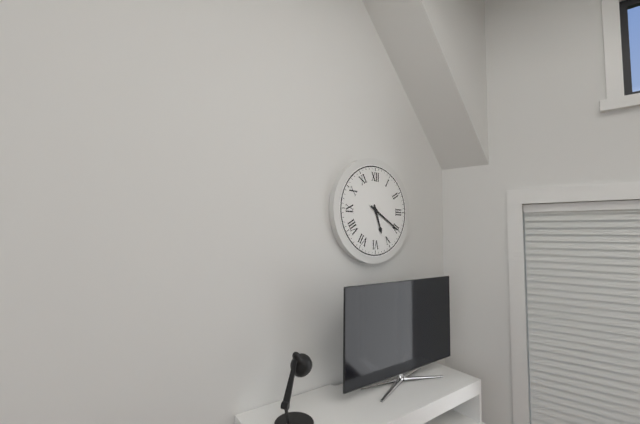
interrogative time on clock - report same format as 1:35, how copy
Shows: 5:20
